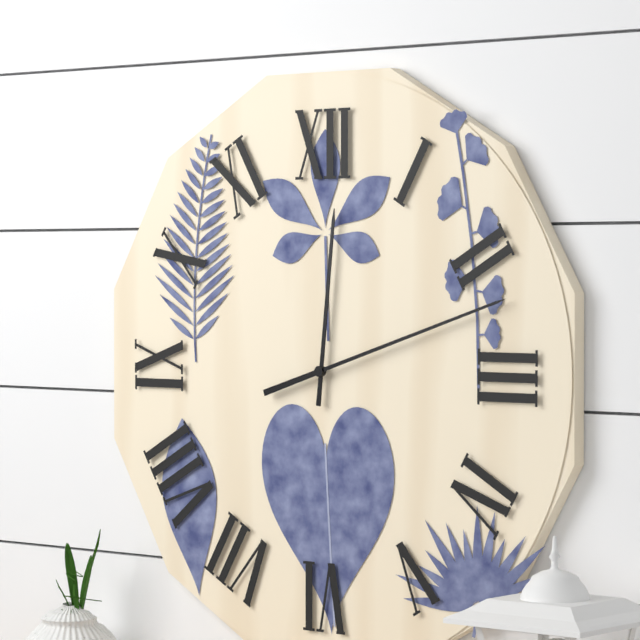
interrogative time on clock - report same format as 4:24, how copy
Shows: 12:12
